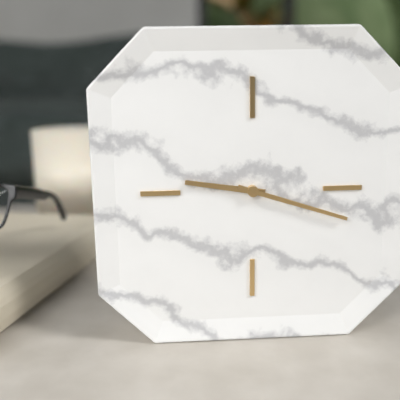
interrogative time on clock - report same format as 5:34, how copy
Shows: 9:18
